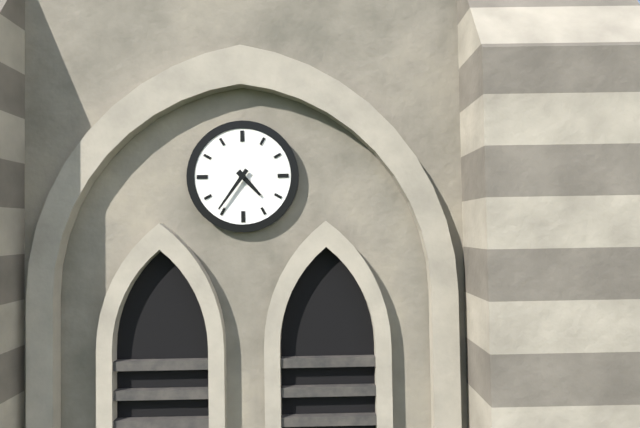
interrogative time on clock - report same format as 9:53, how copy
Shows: 4:36
